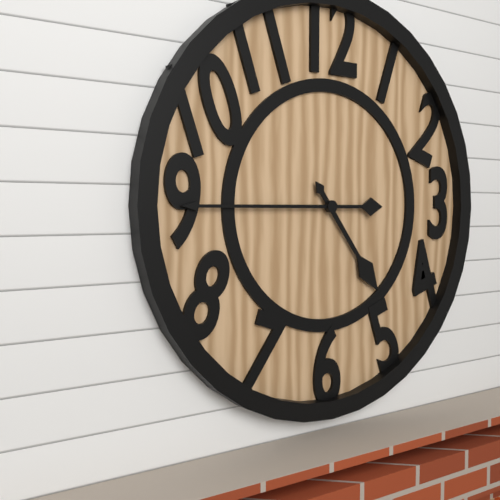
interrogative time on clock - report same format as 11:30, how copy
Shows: 4:45
